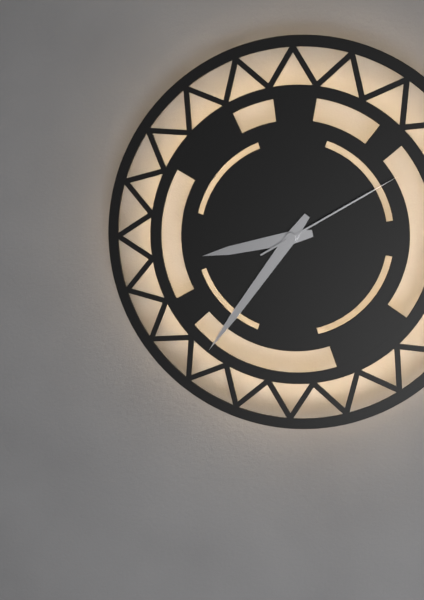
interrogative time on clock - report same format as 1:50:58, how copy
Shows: 8:36:10
